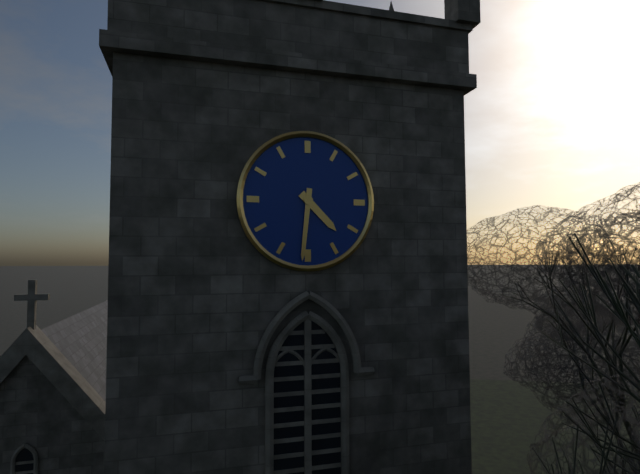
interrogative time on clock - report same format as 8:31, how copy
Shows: 4:31
